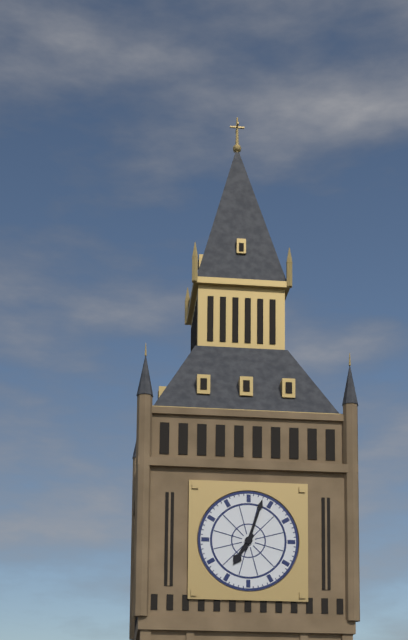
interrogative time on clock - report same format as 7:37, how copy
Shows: 7:03
